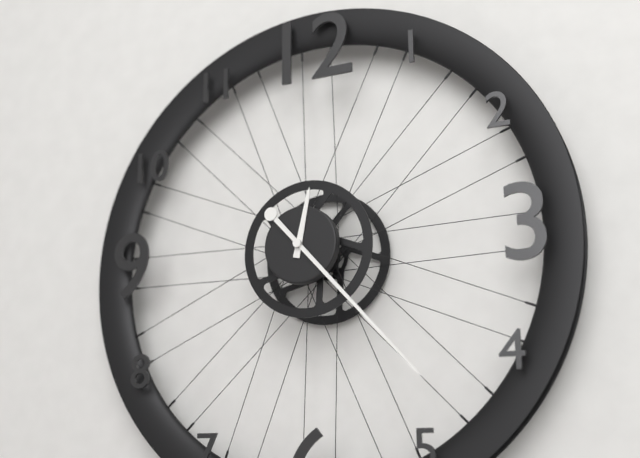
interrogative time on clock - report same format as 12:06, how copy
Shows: 12:23
